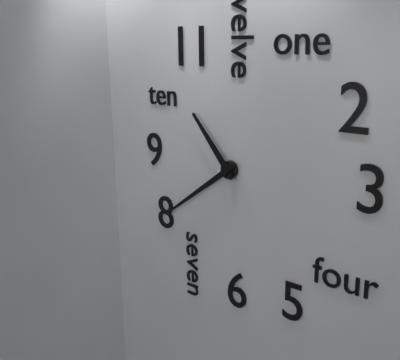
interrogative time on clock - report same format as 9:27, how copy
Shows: 10:39
